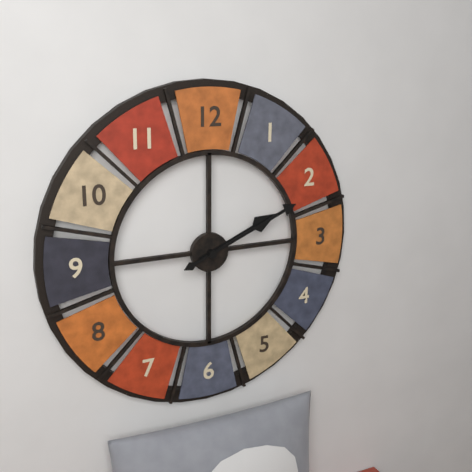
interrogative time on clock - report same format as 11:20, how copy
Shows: 2:11
